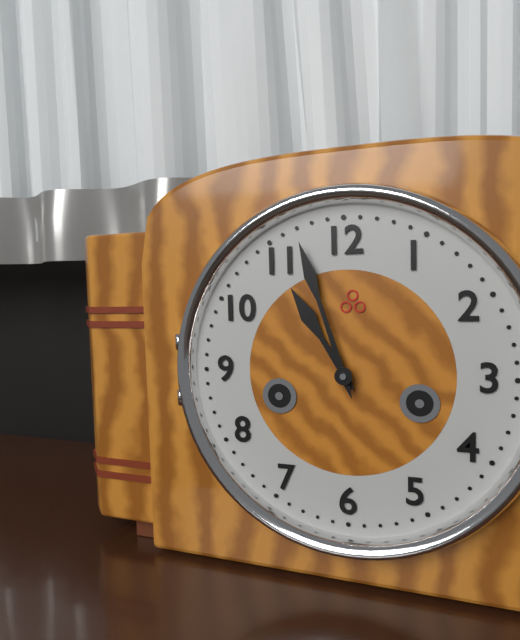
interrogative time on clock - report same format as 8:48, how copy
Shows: 10:57
